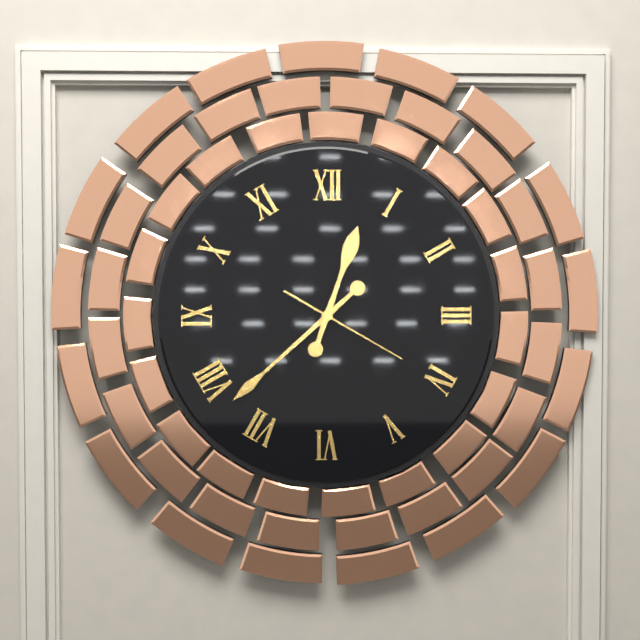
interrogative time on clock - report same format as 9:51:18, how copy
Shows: 12:38:20
